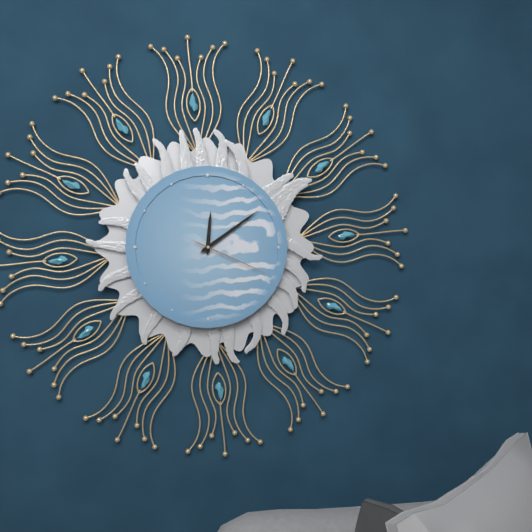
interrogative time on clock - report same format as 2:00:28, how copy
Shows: 12:09:19
